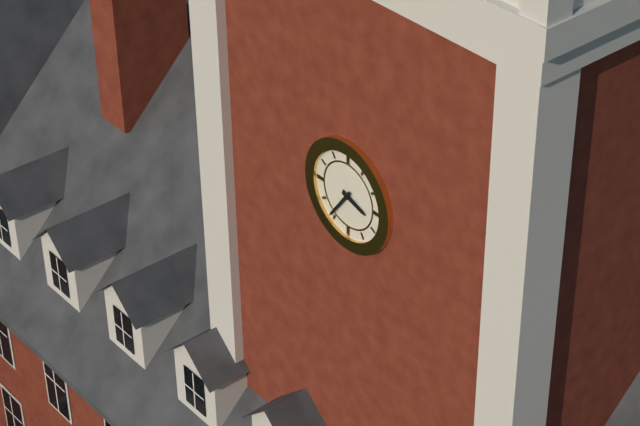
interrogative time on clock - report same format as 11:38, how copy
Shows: 3:36
